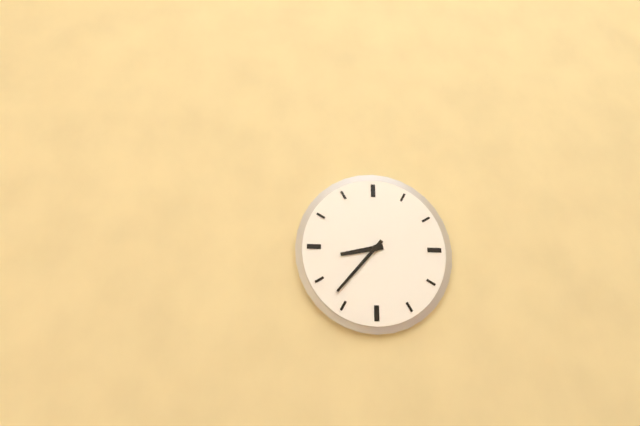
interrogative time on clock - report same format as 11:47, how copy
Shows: 8:37
